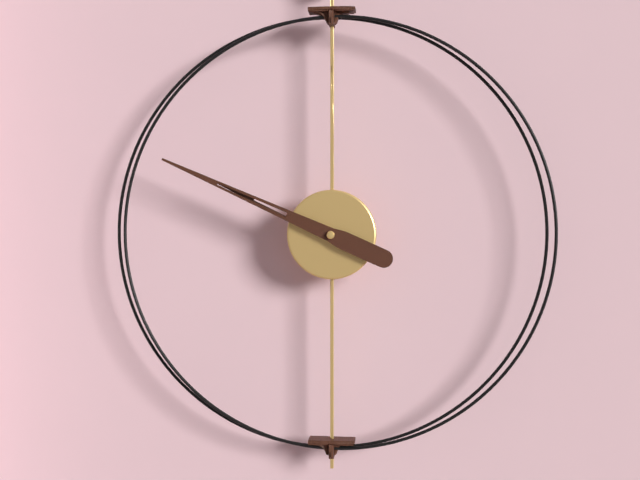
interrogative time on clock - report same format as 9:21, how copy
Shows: 9:49
